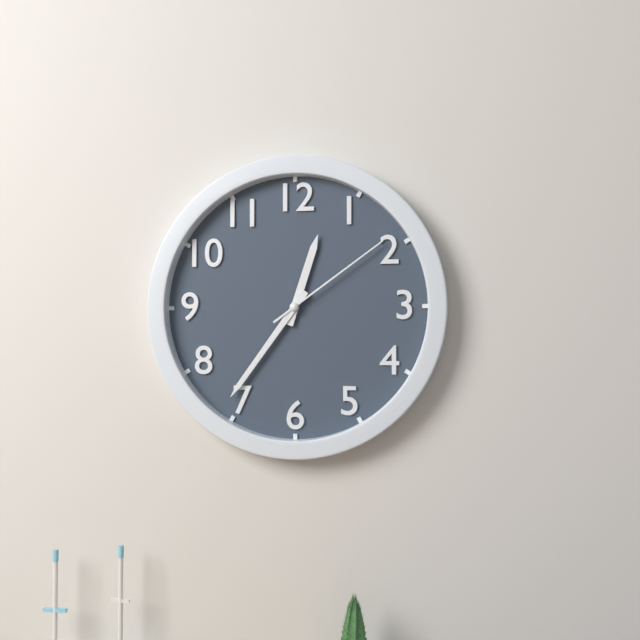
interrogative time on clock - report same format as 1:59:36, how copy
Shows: 12:36:09
